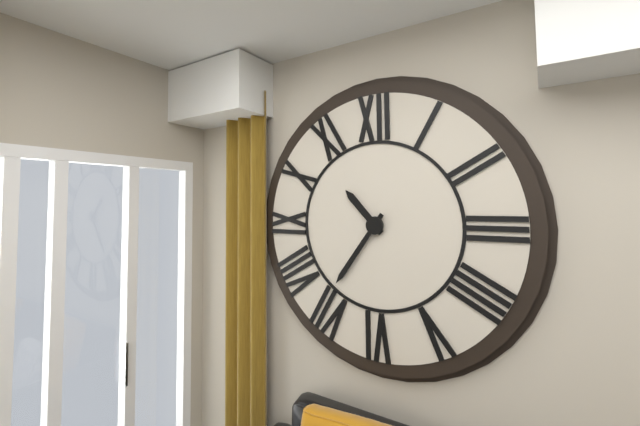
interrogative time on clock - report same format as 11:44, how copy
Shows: 10:36
